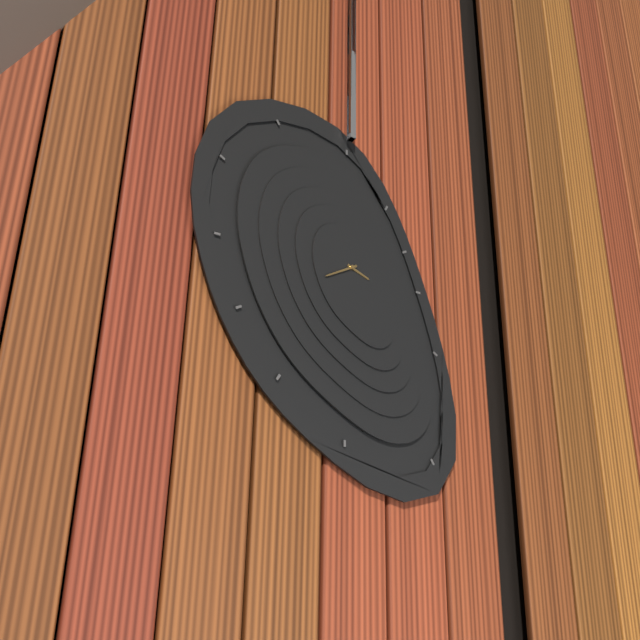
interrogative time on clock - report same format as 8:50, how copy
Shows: 3:40
